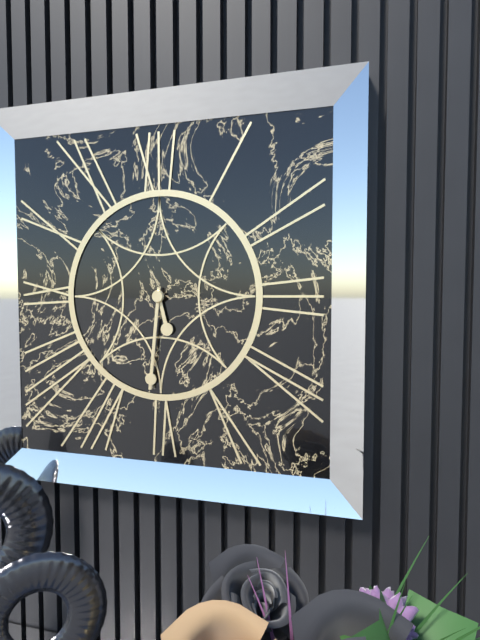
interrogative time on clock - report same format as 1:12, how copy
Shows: 5:31
